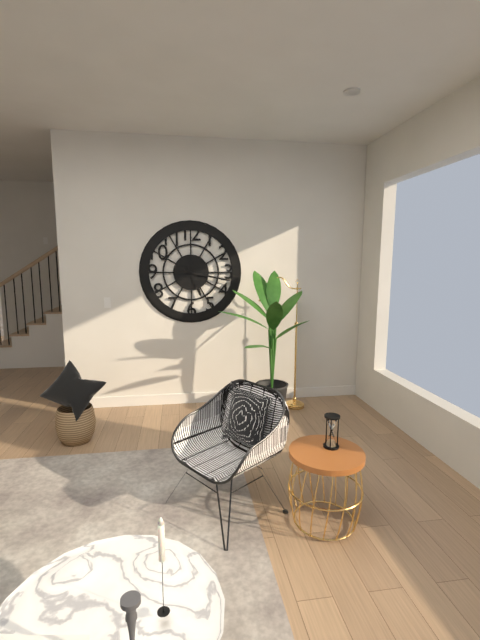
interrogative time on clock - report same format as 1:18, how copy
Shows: 5:17
